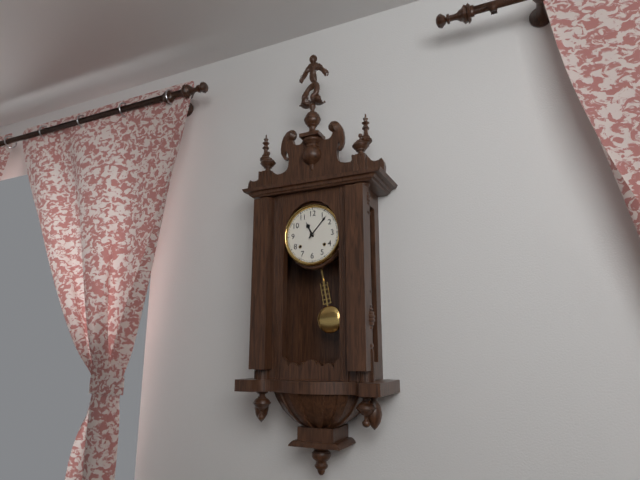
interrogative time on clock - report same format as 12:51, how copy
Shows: 11:07
